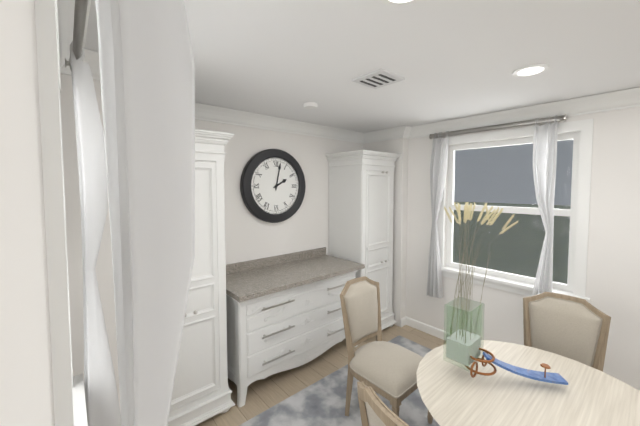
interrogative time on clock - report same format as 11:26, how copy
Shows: 2:02
